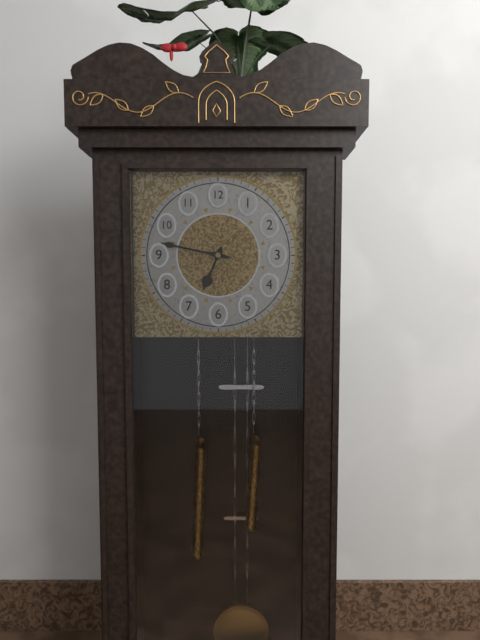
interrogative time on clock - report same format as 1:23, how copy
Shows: 6:47
